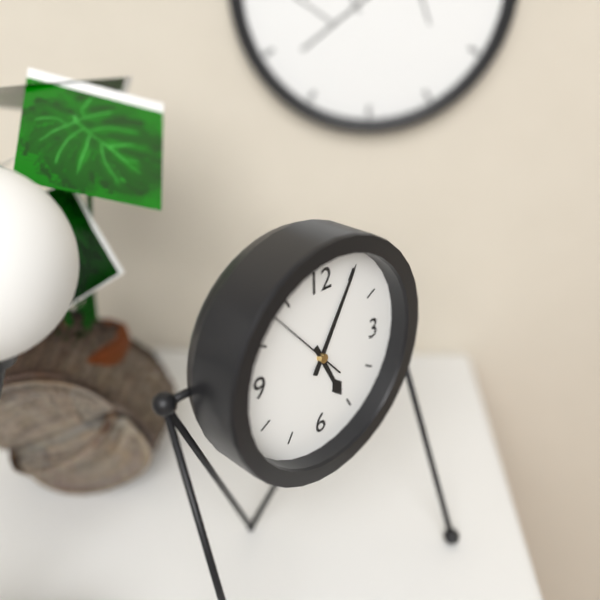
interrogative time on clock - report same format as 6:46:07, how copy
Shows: 5:05:53
